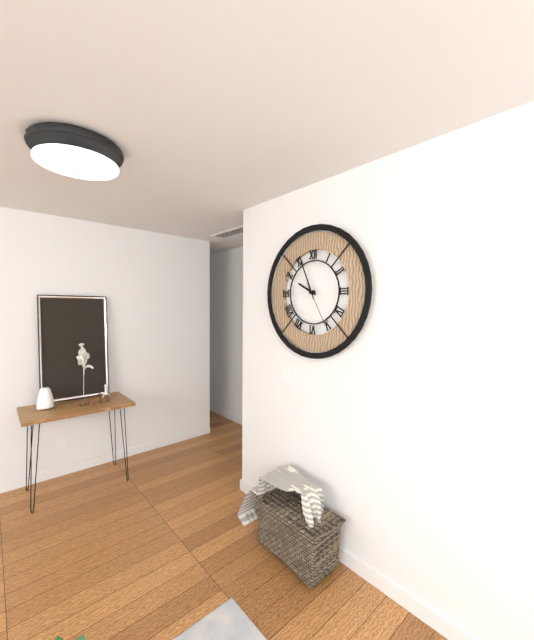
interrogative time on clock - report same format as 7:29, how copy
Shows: 9:56
